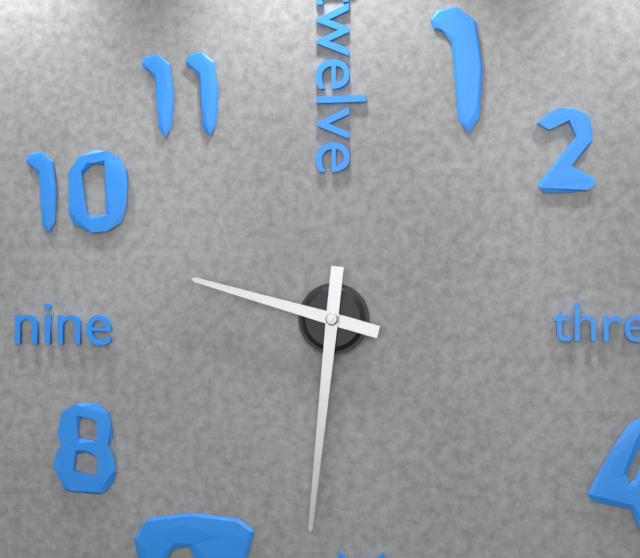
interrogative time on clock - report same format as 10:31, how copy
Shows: 9:31
